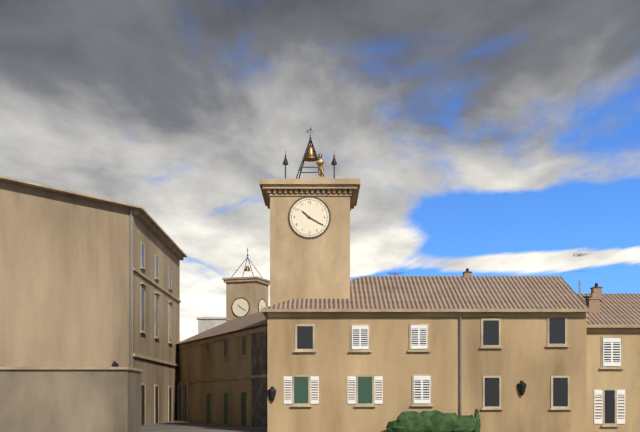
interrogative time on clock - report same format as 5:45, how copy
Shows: 10:20
